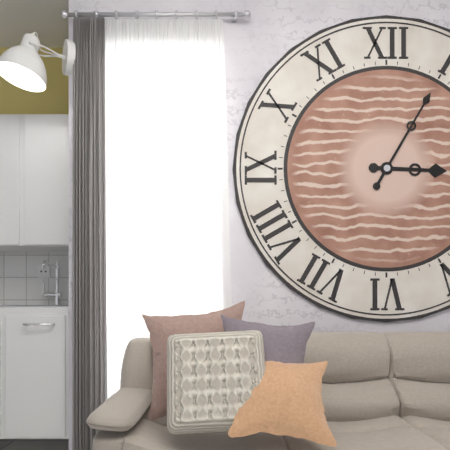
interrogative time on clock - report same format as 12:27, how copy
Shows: 3:05
